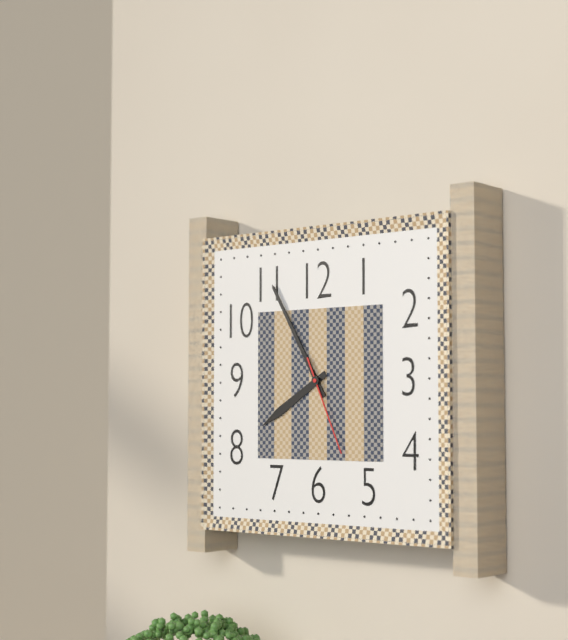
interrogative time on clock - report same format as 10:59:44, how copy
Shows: 7:55:26
